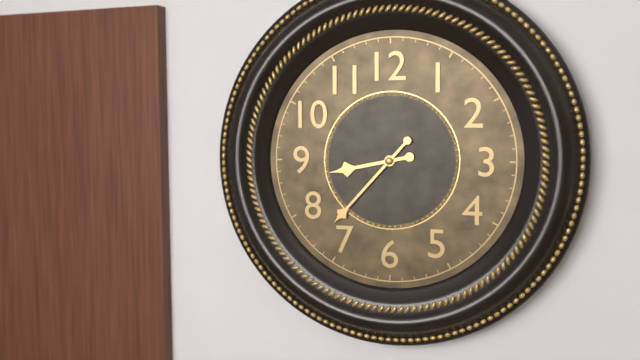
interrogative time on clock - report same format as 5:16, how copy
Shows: 8:37
